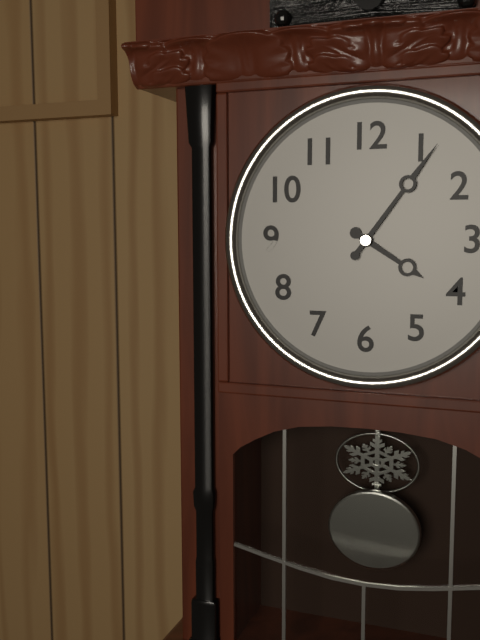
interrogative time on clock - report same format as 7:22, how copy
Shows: 4:06
